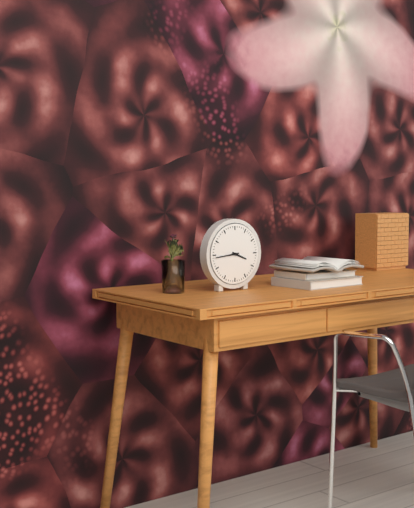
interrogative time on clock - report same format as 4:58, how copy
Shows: 3:44
